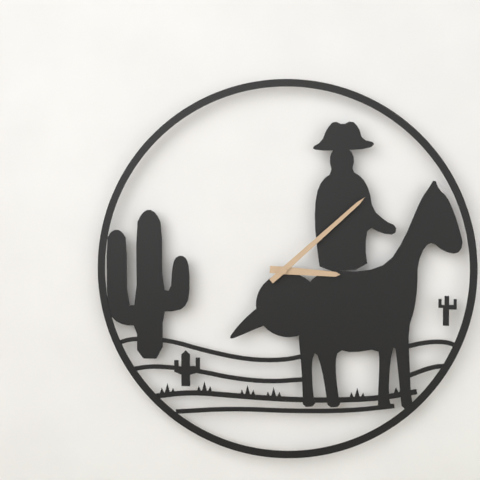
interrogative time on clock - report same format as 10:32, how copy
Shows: 3:08
